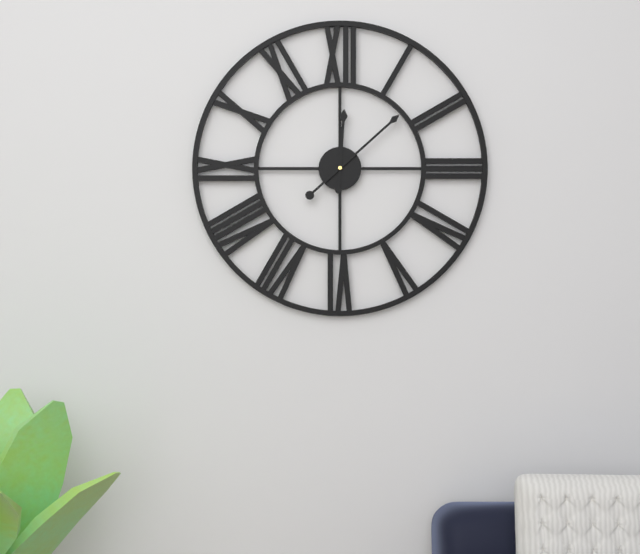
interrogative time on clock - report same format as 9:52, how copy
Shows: 12:08
